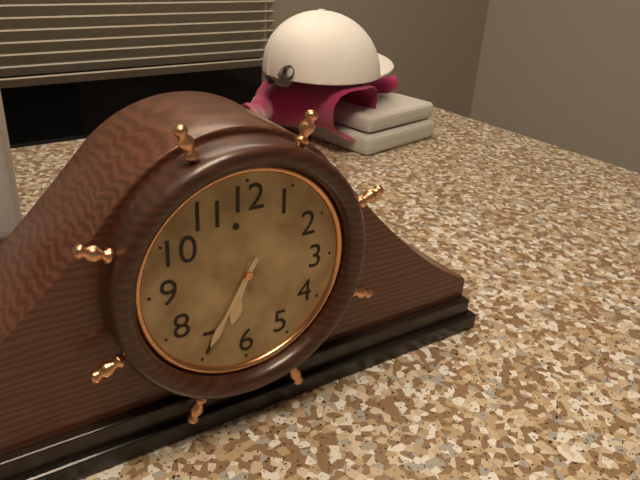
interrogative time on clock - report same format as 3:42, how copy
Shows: 6:35
